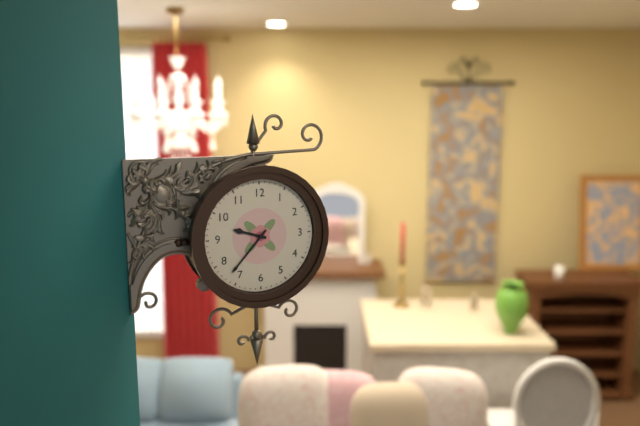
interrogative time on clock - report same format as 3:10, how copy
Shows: 9:37
